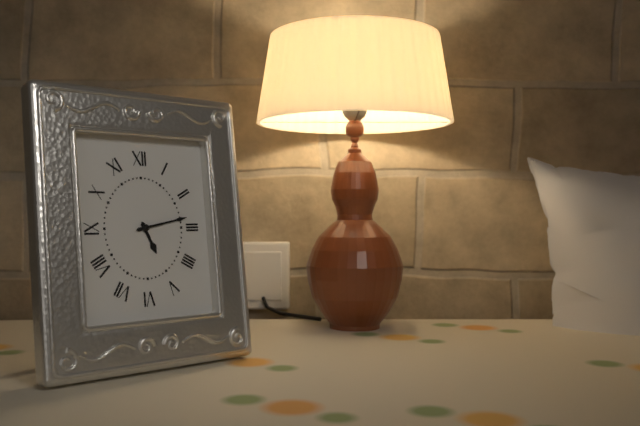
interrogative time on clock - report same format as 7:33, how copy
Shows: 5:13
